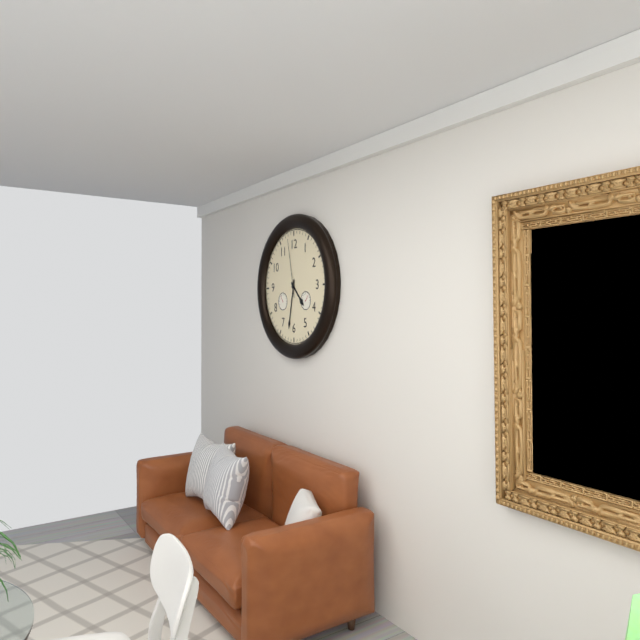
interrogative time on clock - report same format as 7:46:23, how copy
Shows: 4:32:58
